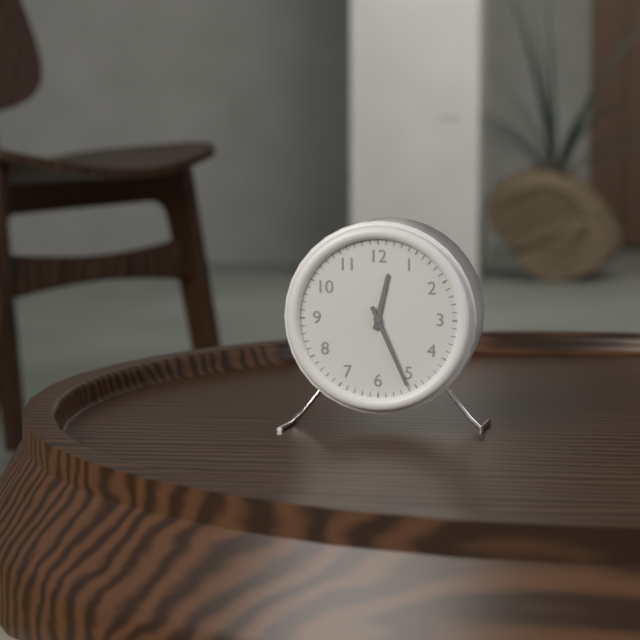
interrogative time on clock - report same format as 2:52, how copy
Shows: 12:26
